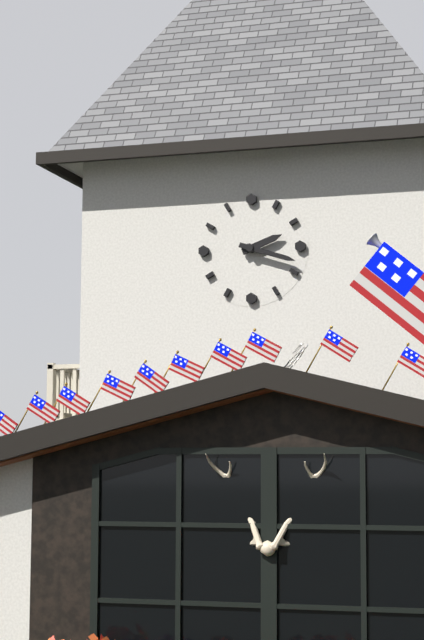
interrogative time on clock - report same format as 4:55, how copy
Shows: 2:18
